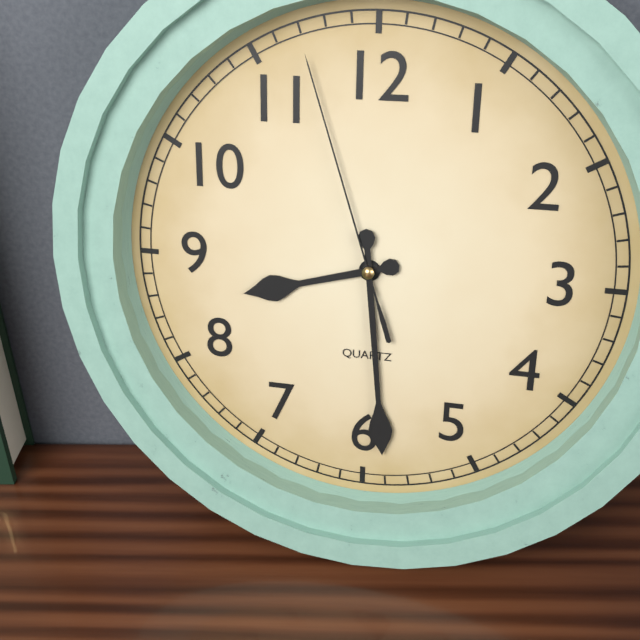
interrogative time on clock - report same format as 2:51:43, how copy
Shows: 8:29:57
